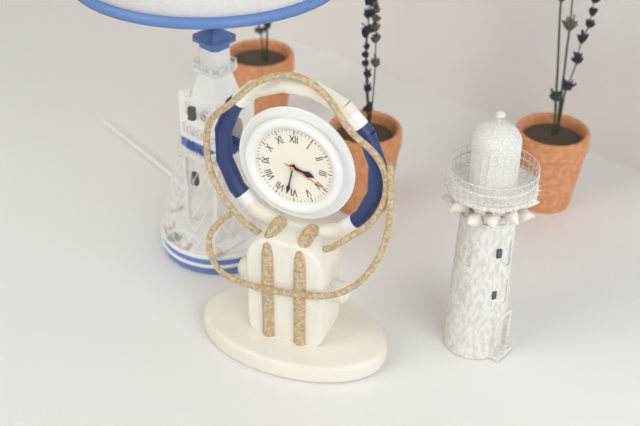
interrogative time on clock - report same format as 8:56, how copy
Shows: 3:32
